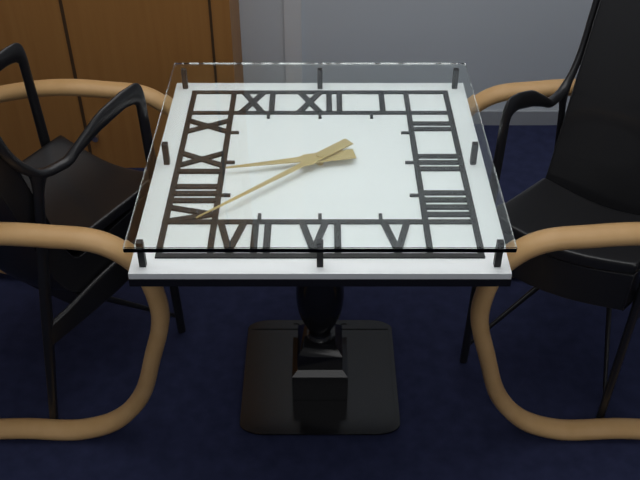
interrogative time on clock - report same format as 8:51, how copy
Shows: 8:38
